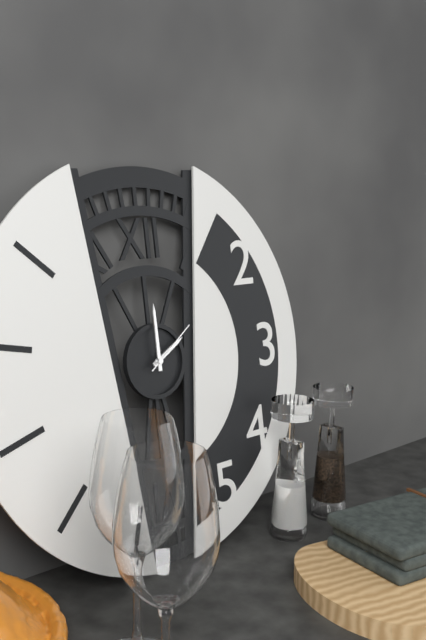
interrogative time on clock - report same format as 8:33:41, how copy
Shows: 2:00:09
